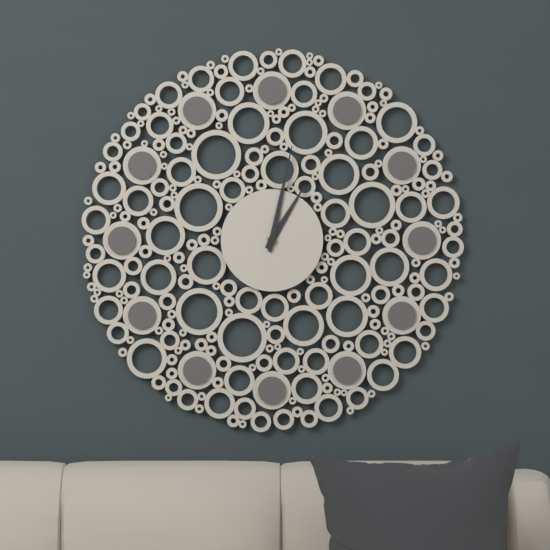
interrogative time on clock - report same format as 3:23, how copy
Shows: 1:02
